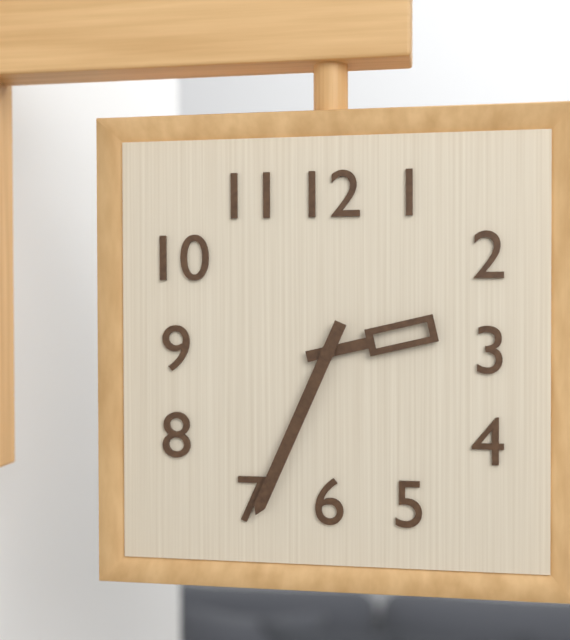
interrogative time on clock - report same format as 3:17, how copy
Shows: 2:34
